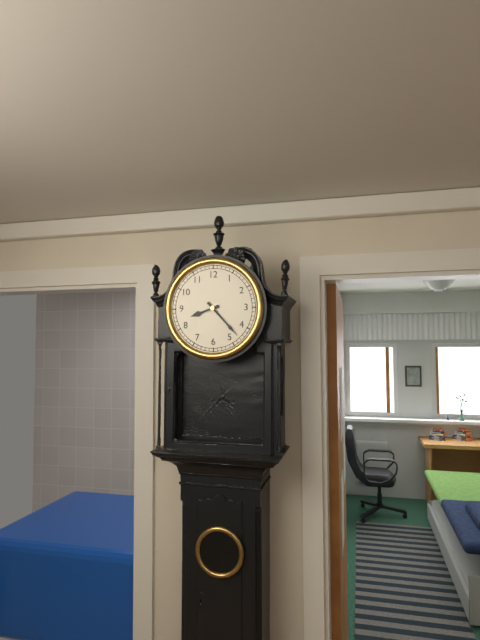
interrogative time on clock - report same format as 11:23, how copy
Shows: 8:23
